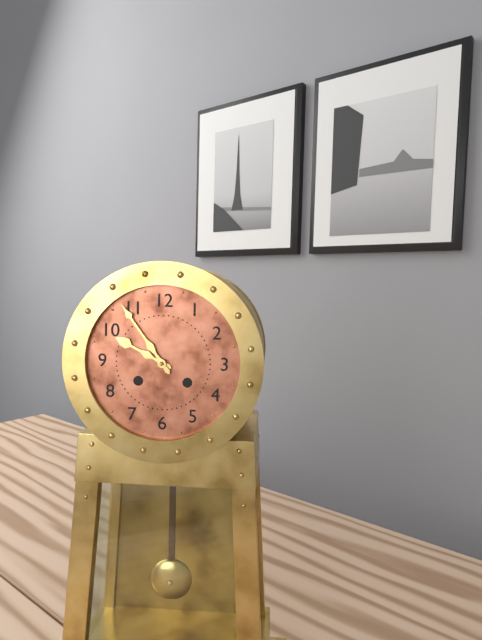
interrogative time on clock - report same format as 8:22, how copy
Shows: 9:54
